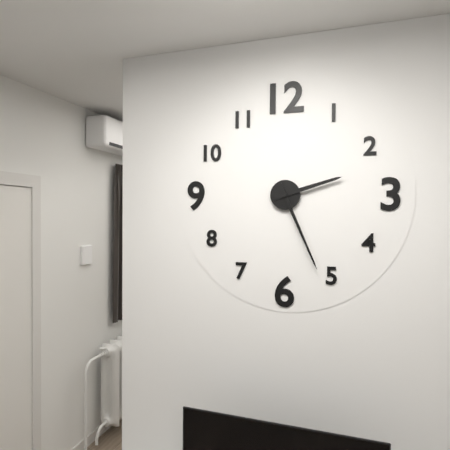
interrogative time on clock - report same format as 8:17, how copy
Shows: 2:26
